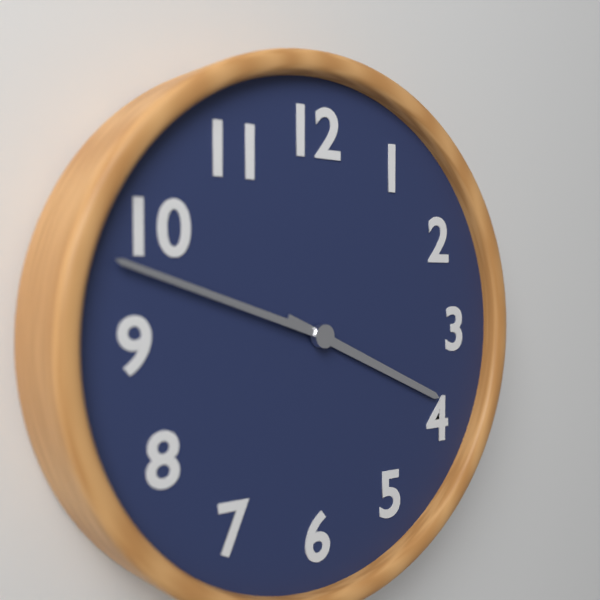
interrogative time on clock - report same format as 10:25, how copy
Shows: 3:48
